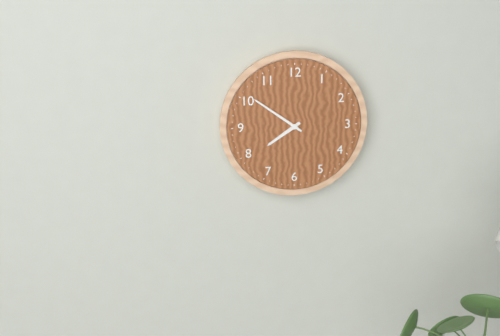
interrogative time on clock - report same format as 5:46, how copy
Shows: 7:51
